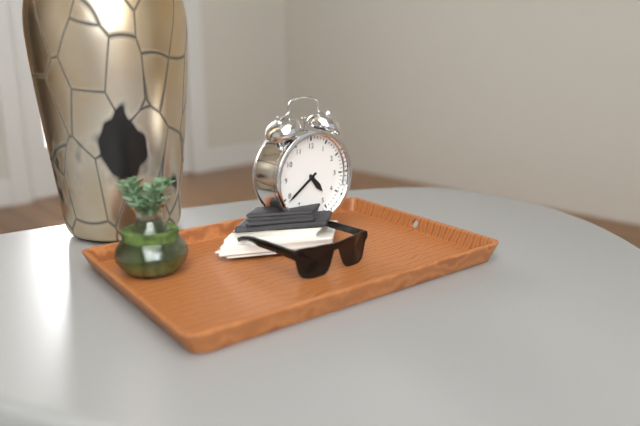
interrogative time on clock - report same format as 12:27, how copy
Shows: 4:39
